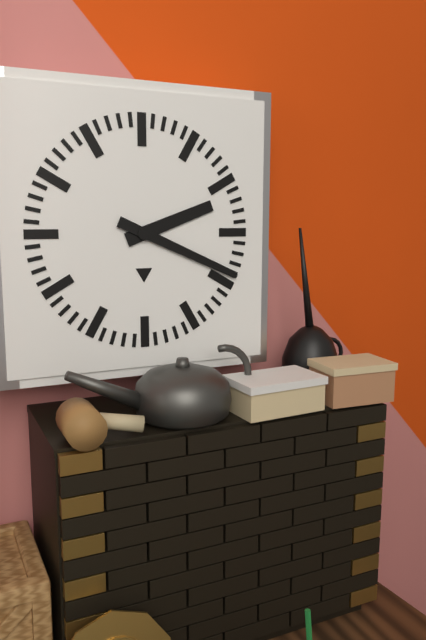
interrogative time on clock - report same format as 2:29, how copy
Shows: 2:19
